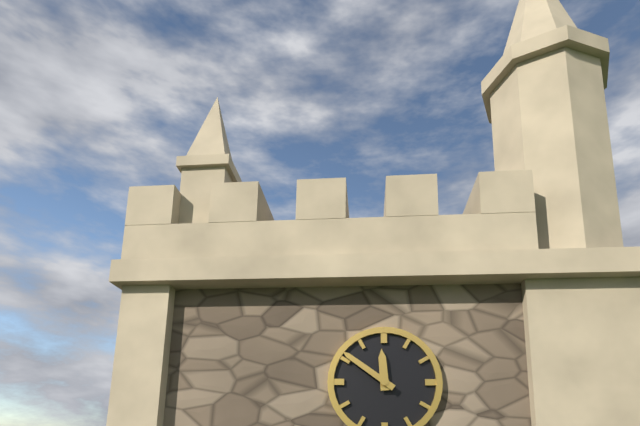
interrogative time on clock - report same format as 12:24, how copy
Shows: 11:51
